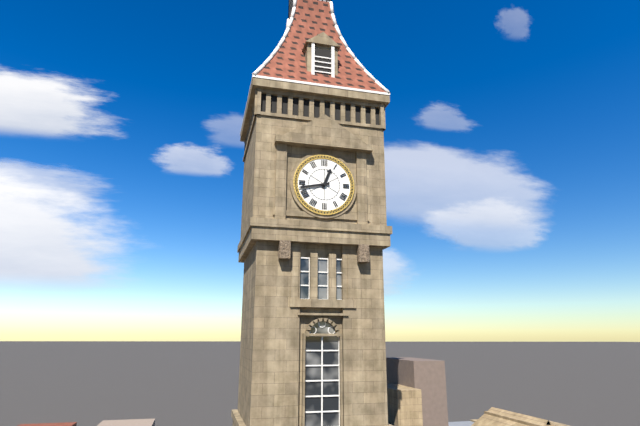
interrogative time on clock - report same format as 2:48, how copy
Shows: 12:43
